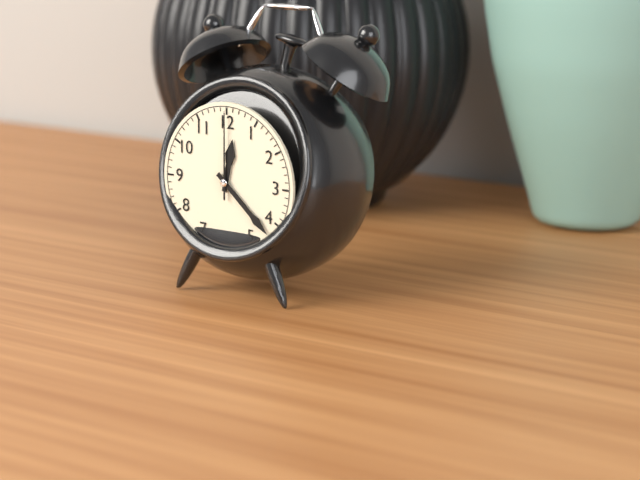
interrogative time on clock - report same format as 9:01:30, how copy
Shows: 12:22:00
